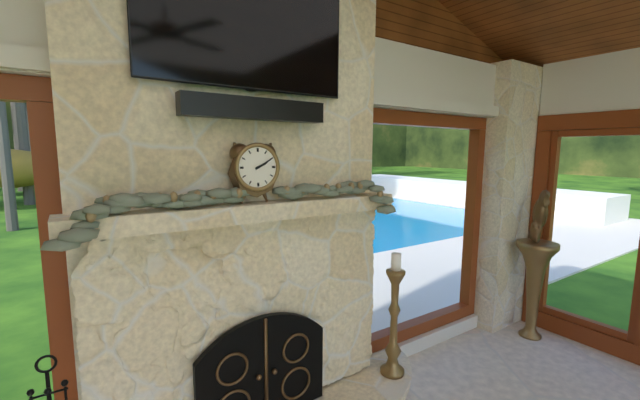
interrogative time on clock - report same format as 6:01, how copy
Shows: 2:10
